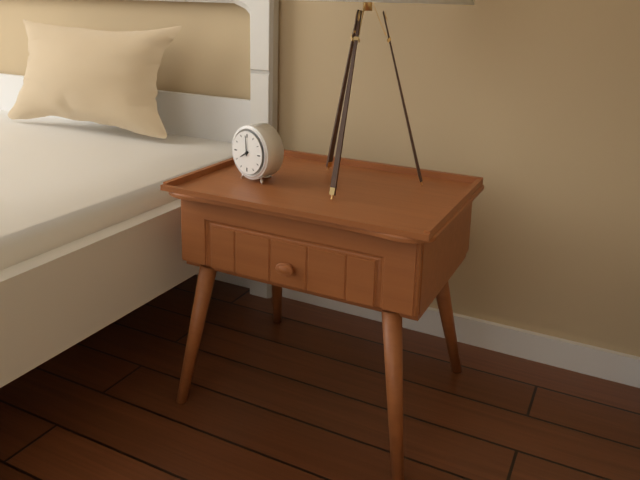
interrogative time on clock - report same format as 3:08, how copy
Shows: 7:59
